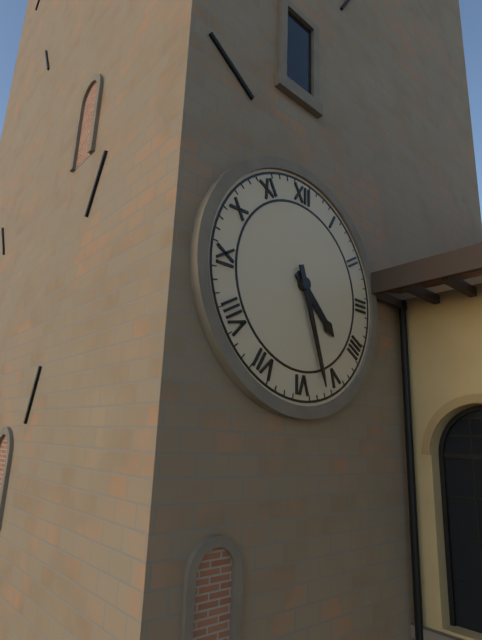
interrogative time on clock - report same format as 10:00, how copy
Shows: 4:27
